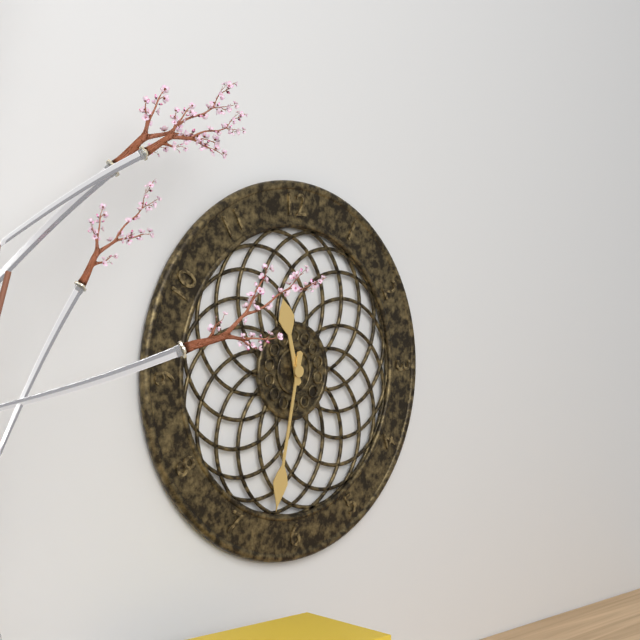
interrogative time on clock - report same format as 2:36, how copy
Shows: 11:32
